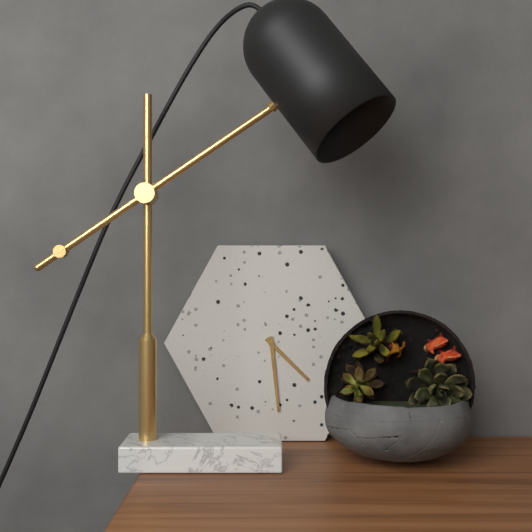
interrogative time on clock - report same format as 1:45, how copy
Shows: 4:29
